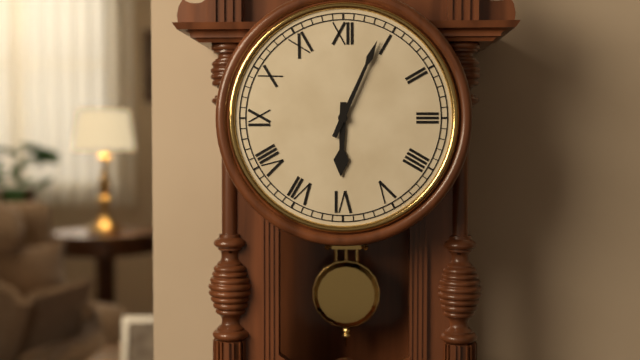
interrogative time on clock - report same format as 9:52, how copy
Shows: 6:04
